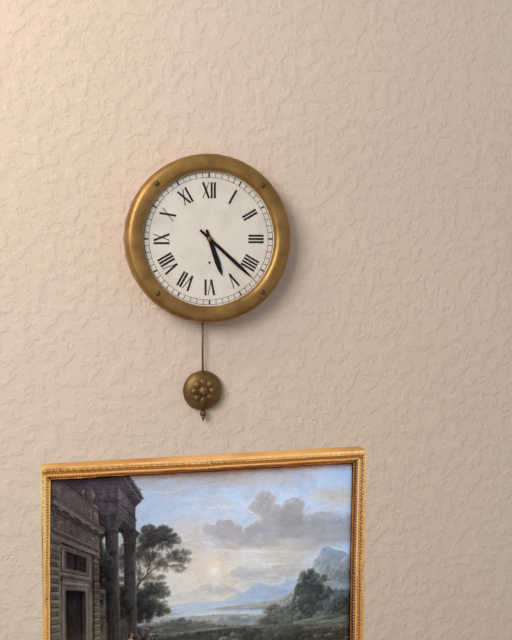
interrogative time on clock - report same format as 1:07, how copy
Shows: 5:22
